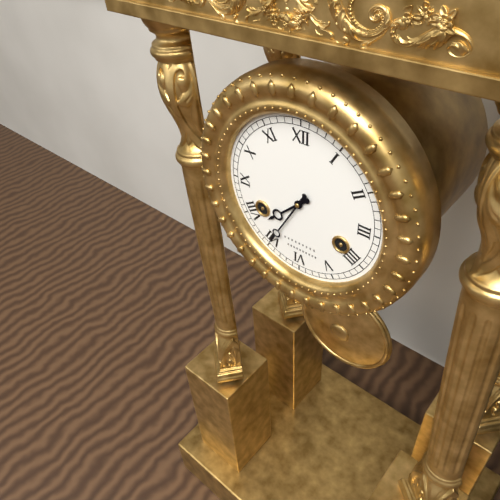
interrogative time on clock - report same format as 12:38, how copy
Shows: 7:35
